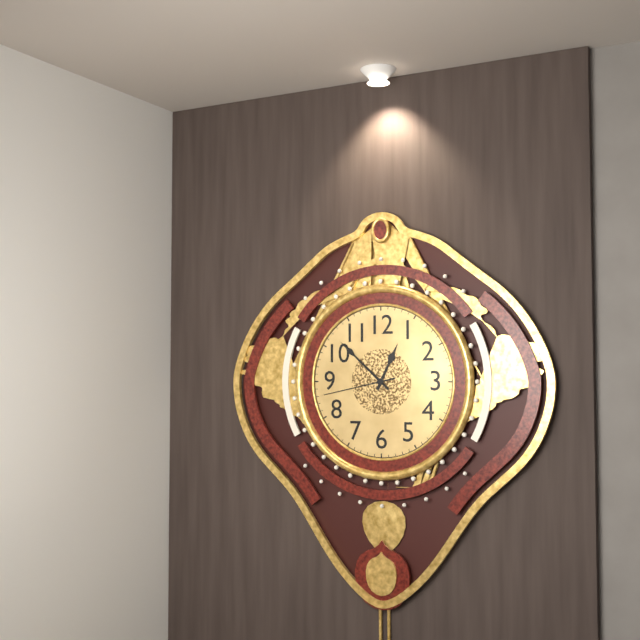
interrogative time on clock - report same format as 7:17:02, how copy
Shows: 12:52:43
